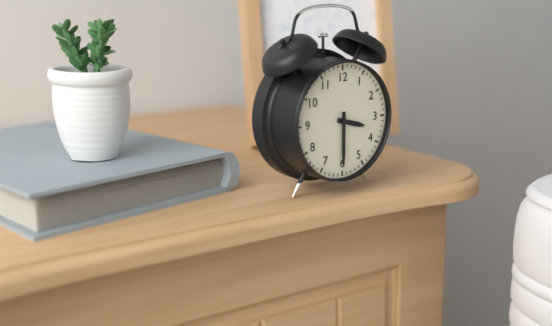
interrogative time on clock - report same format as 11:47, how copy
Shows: 3:30
